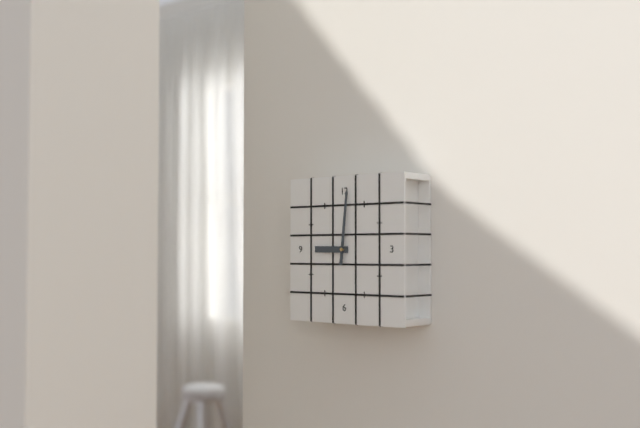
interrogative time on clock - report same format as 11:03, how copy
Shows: 9:01
